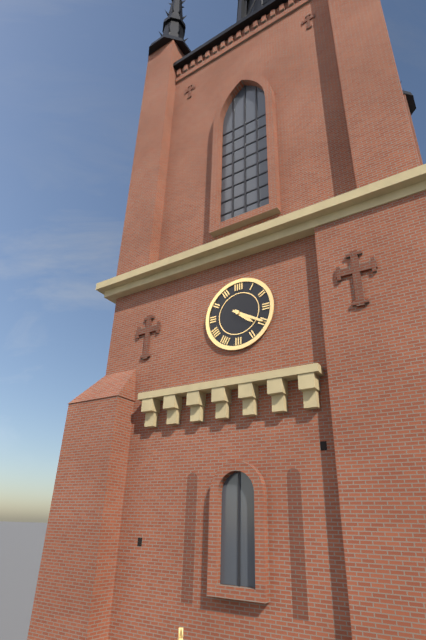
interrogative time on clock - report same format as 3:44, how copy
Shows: 4:20
